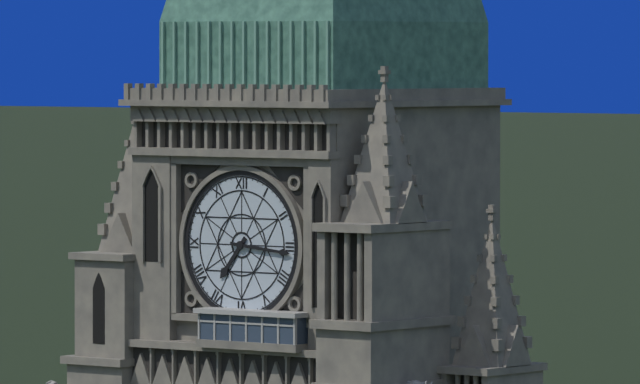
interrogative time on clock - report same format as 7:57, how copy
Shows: 7:16
